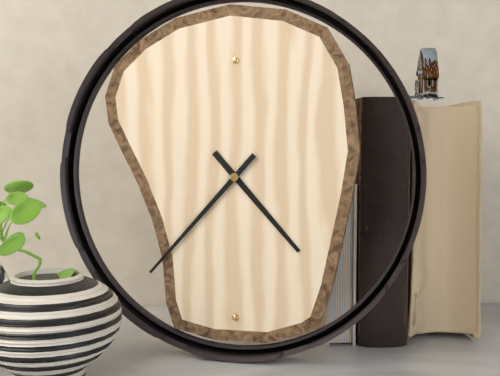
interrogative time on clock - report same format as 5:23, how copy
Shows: 4:37
